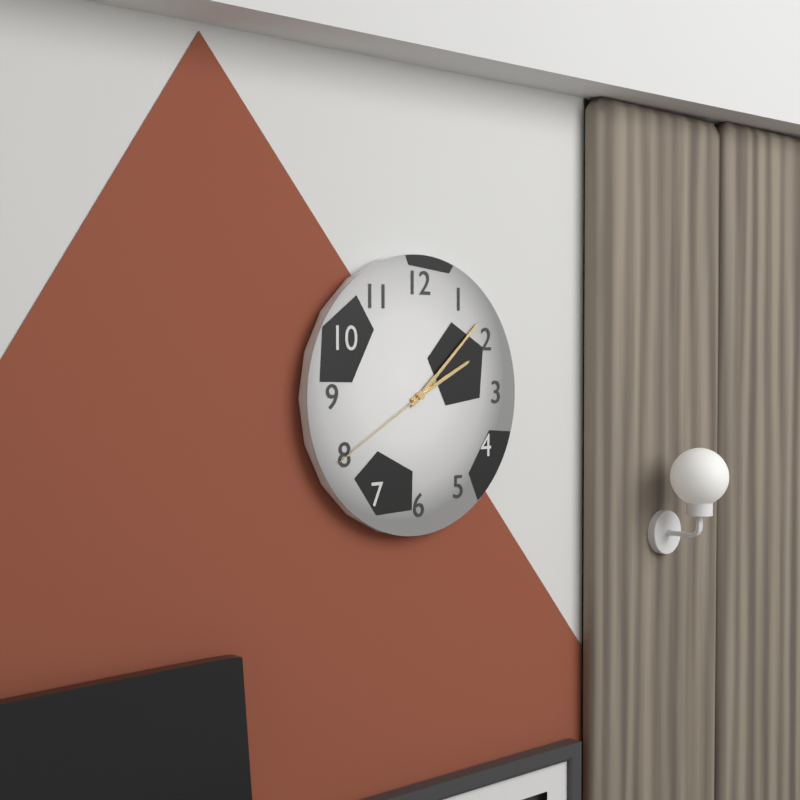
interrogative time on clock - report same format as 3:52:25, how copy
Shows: 2:08:40
